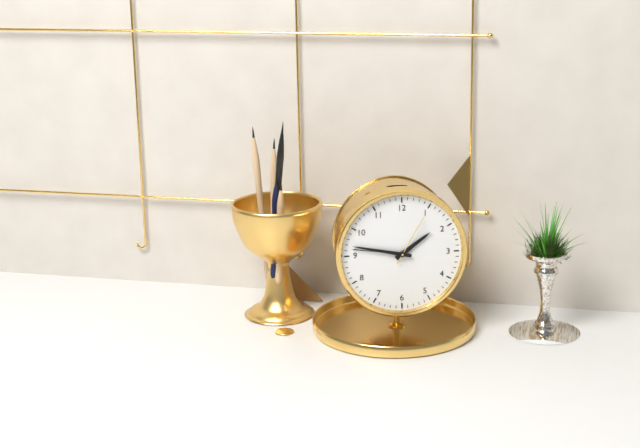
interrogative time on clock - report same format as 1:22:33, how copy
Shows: 1:47:05
